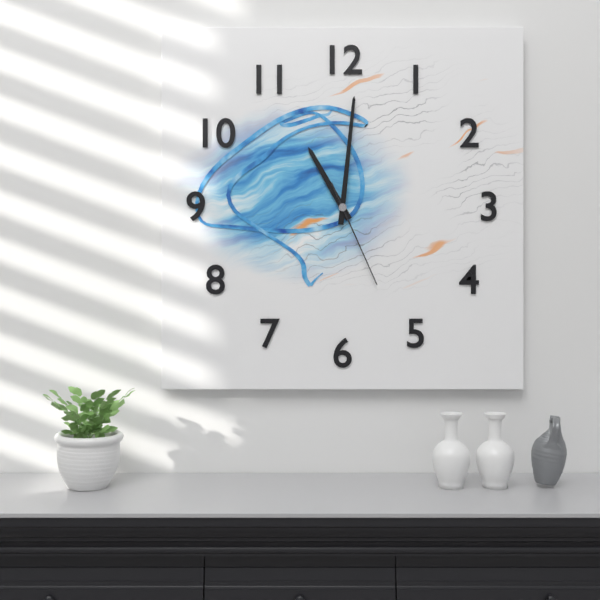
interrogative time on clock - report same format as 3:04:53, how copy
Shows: 11:01:26
